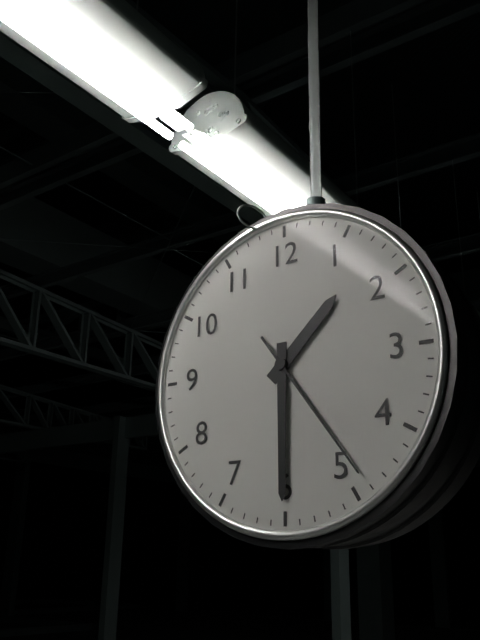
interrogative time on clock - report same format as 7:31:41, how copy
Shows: 1:30:24
